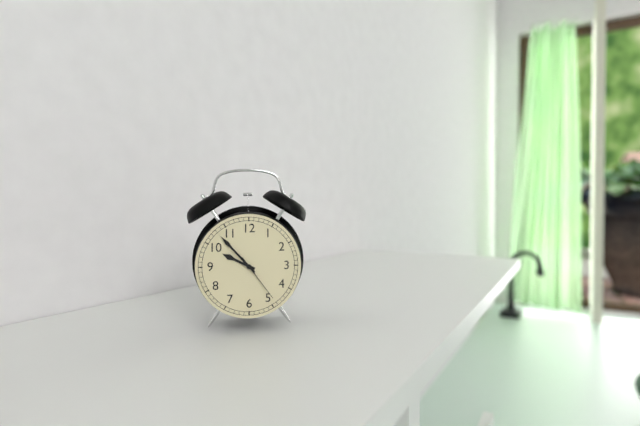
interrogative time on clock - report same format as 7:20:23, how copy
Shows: 9:53:24
